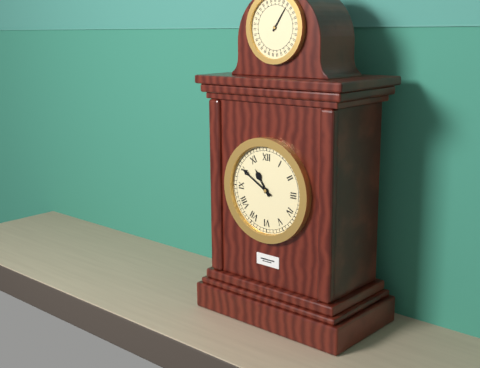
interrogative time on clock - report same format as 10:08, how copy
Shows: 10:50
